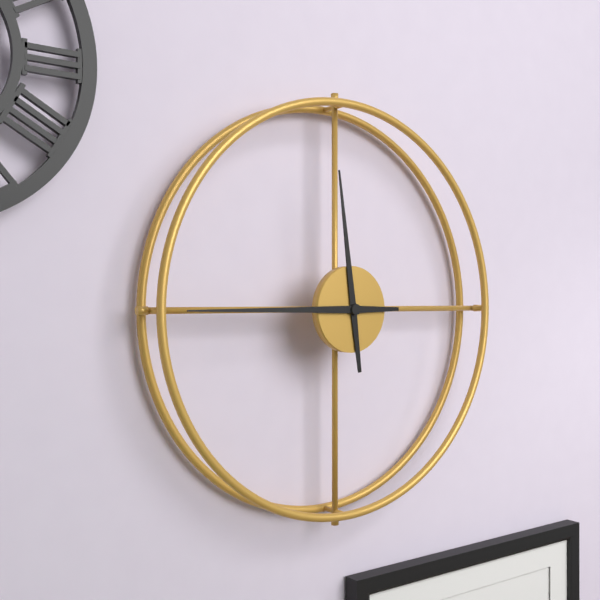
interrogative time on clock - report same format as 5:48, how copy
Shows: 11:45
